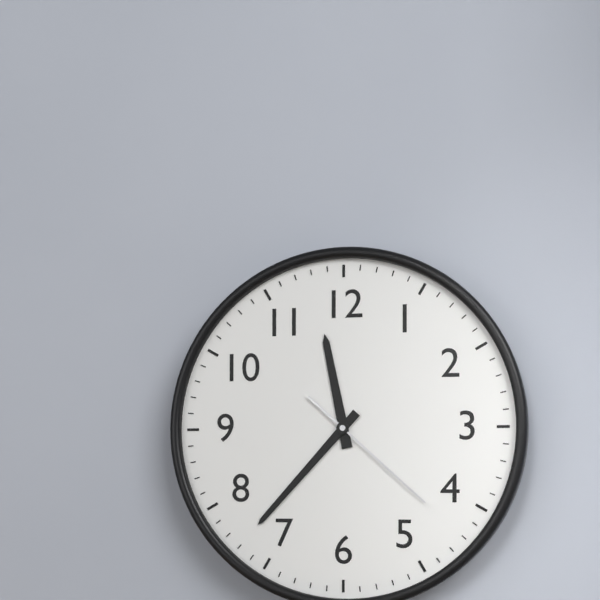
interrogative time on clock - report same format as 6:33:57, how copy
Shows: 11:37:22
